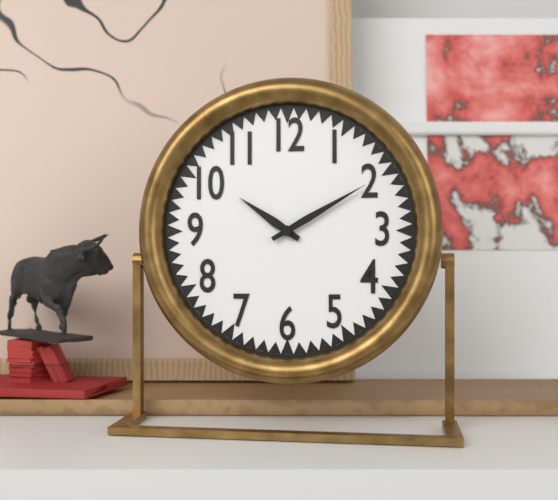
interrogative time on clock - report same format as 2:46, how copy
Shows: 10:10
